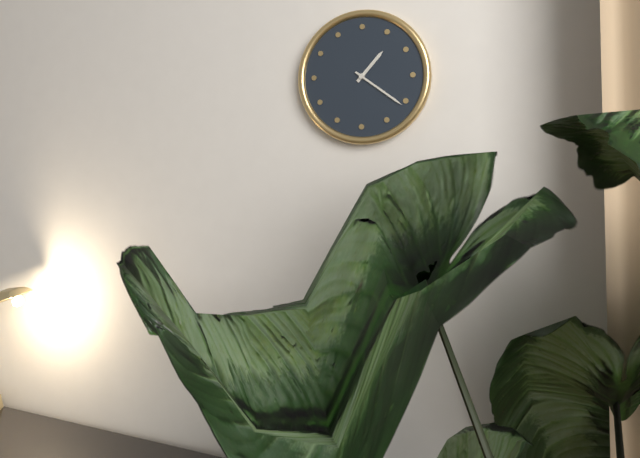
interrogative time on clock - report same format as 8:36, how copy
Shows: 1:21
